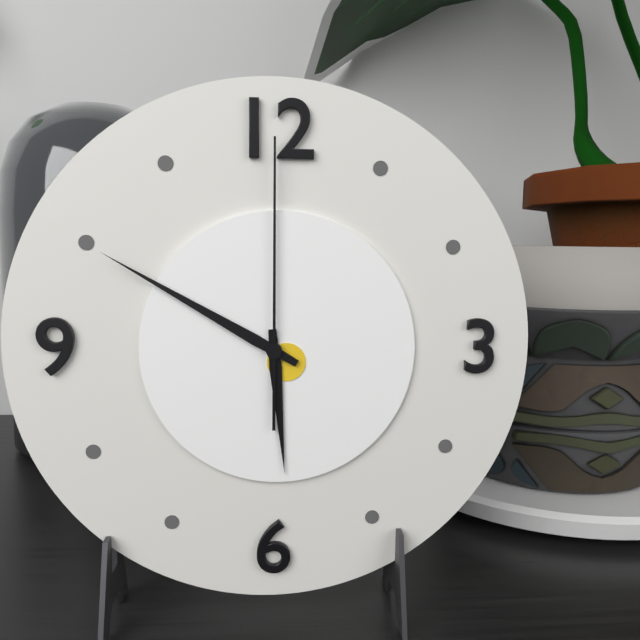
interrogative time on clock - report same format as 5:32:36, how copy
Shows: 5:50:00
